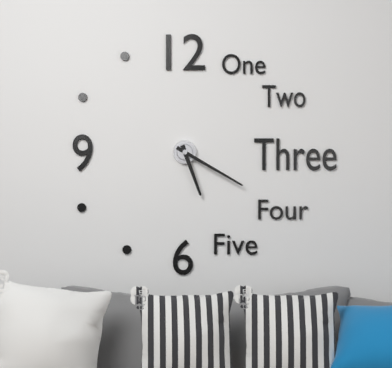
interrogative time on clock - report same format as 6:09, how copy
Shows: 5:20
